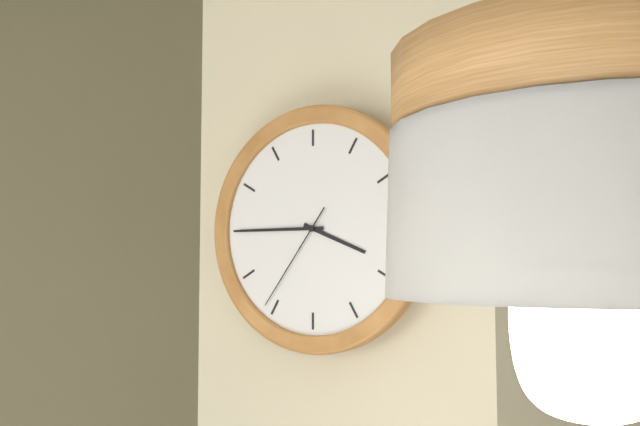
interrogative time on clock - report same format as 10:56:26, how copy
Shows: 3:45:36
